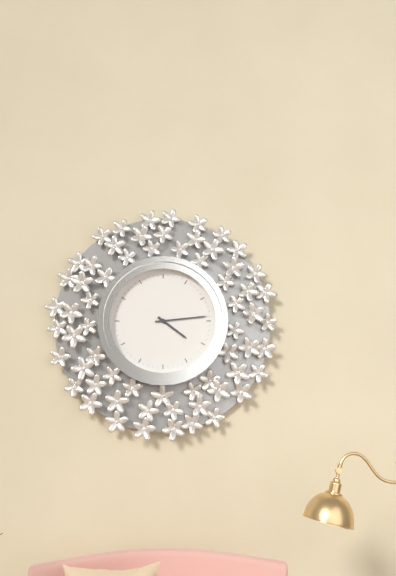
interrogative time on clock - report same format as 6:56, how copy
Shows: 4:14
